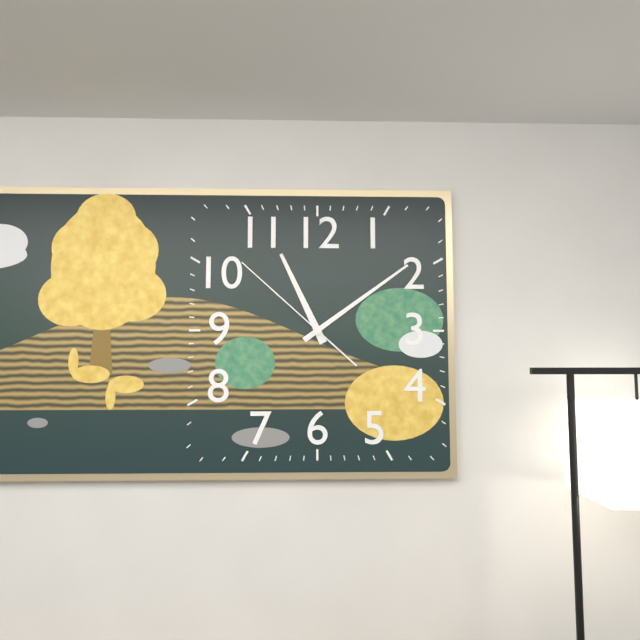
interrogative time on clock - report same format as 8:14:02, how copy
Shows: 11:09:52
